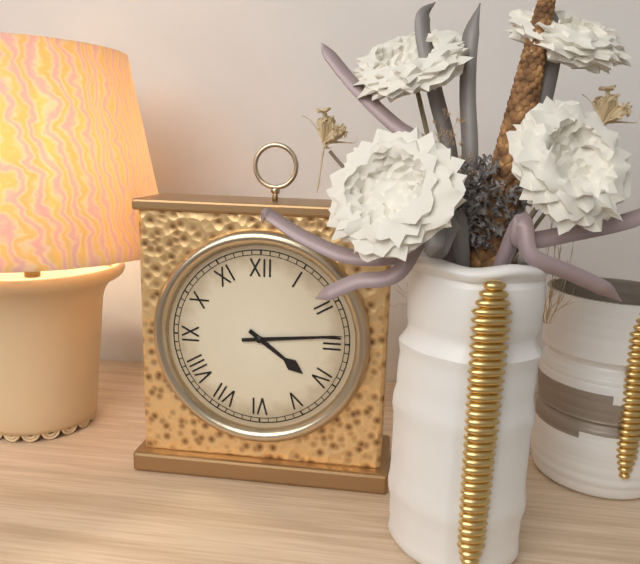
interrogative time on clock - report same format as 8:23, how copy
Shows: 4:14
